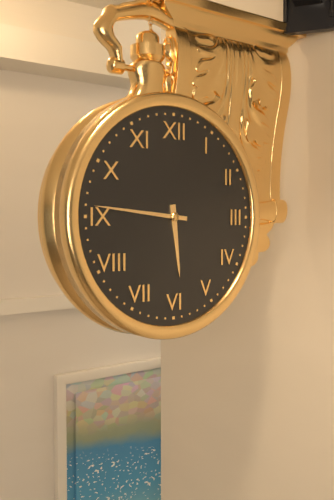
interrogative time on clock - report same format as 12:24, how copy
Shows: 5:46
